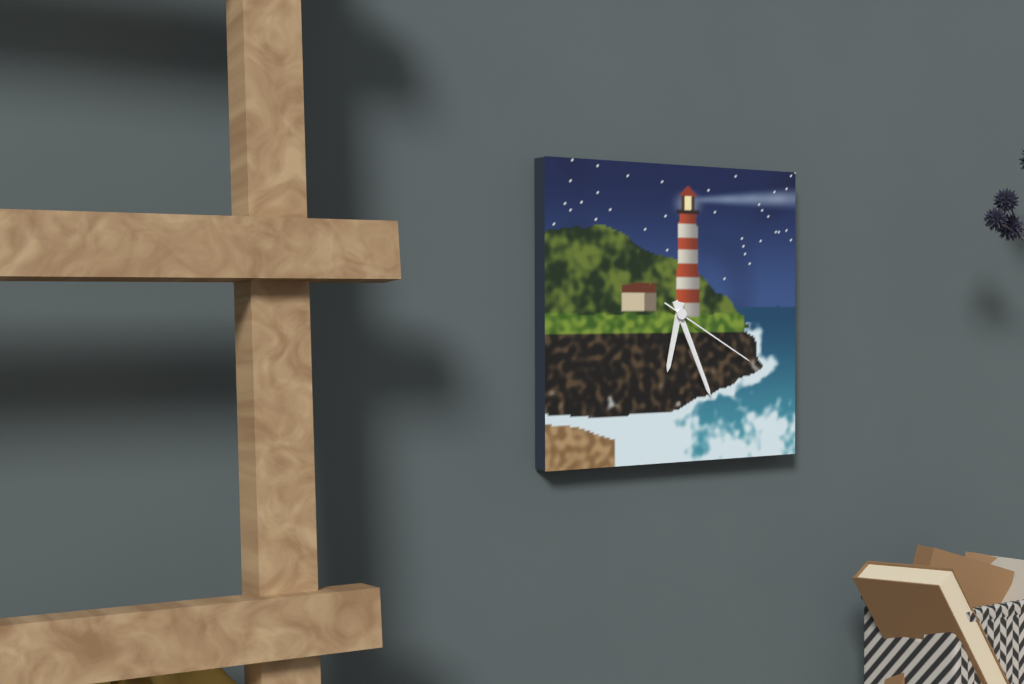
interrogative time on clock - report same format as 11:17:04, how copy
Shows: 6:26:20
